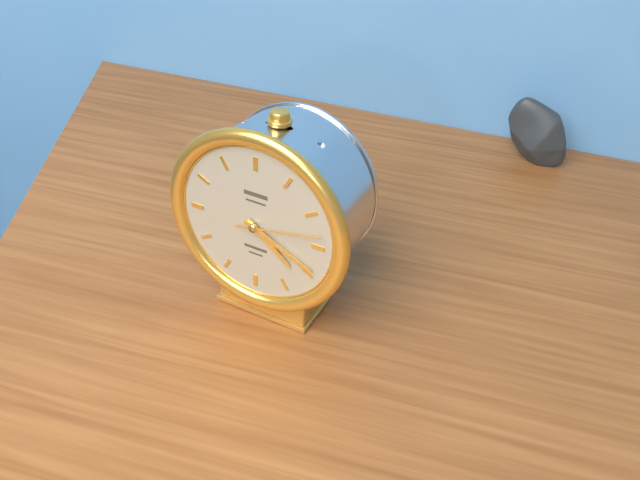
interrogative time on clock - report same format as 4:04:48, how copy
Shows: 4:19:13
